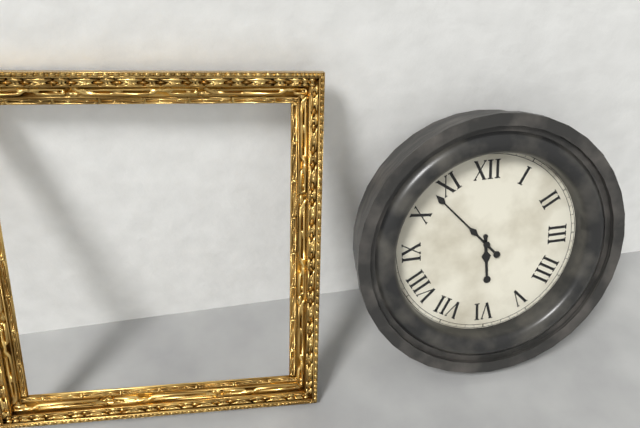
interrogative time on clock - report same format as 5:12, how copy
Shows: 5:53
